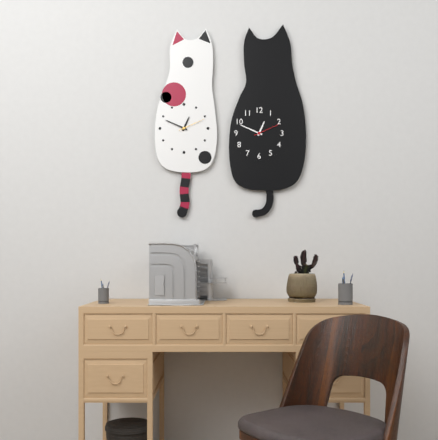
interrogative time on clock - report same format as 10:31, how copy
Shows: 12:49
